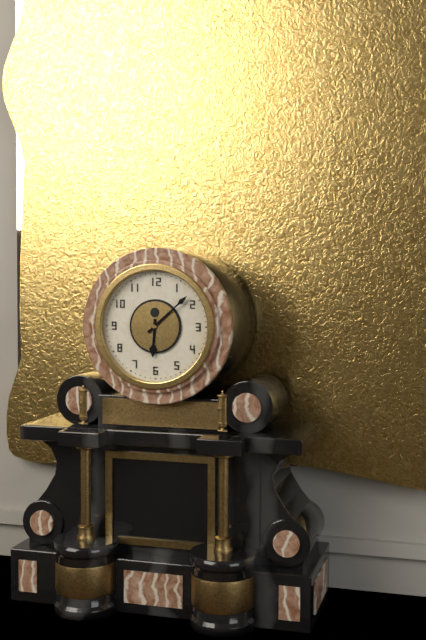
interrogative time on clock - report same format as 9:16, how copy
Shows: 6:08
